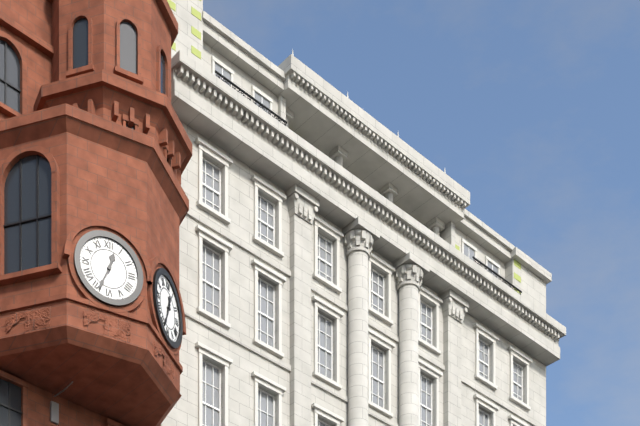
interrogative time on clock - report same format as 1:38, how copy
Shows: 12:34
